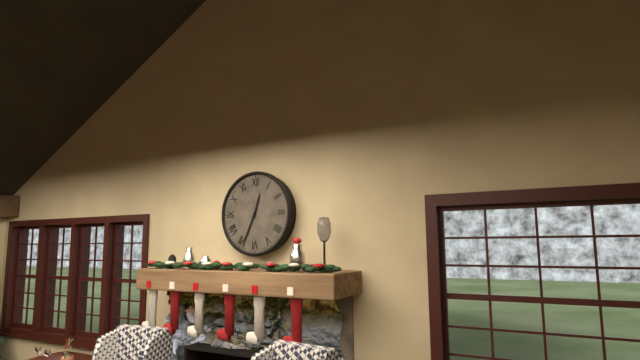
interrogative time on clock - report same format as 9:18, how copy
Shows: 12:34
